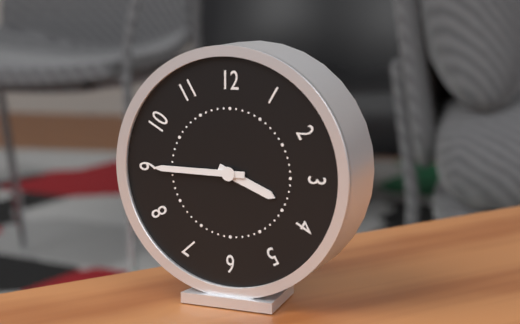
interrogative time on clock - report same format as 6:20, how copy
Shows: 3:45
